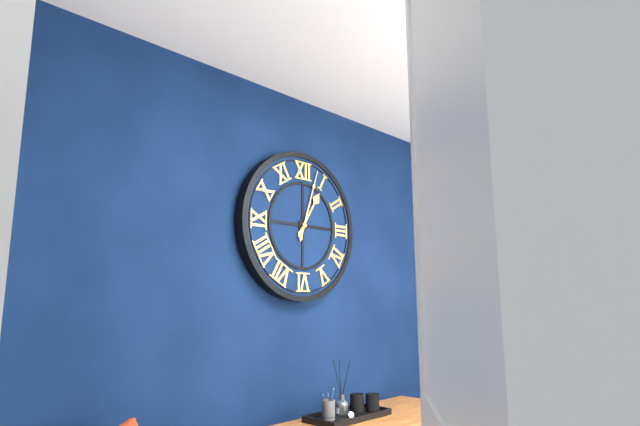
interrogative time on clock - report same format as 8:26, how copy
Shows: 1:03
